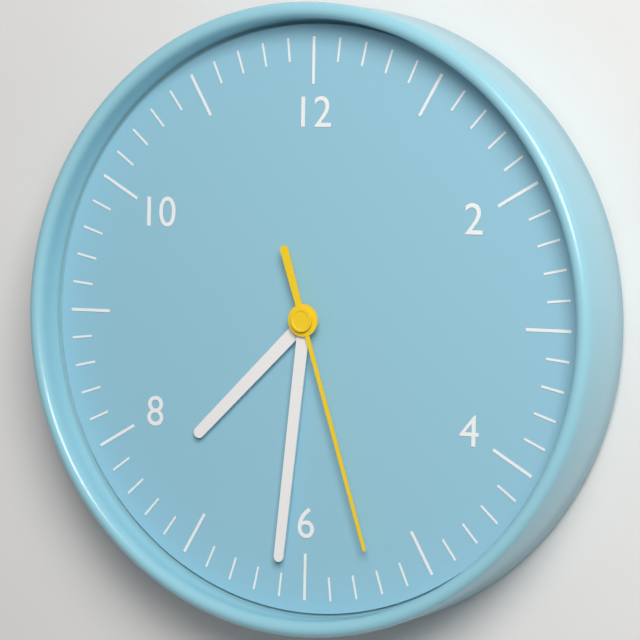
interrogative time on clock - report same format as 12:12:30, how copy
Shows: 7:31:27
